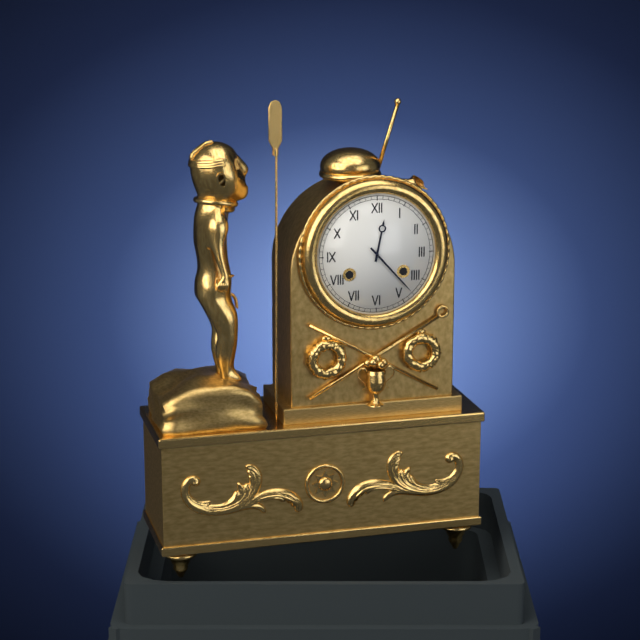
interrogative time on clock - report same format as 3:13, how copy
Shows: 12:23
